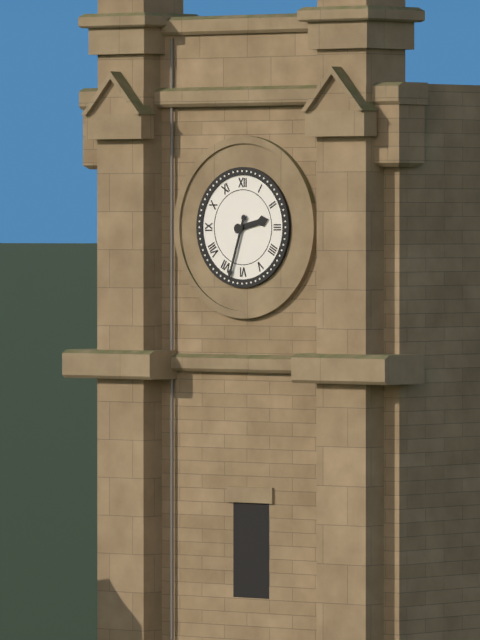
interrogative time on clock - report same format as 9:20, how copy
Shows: 2:33
